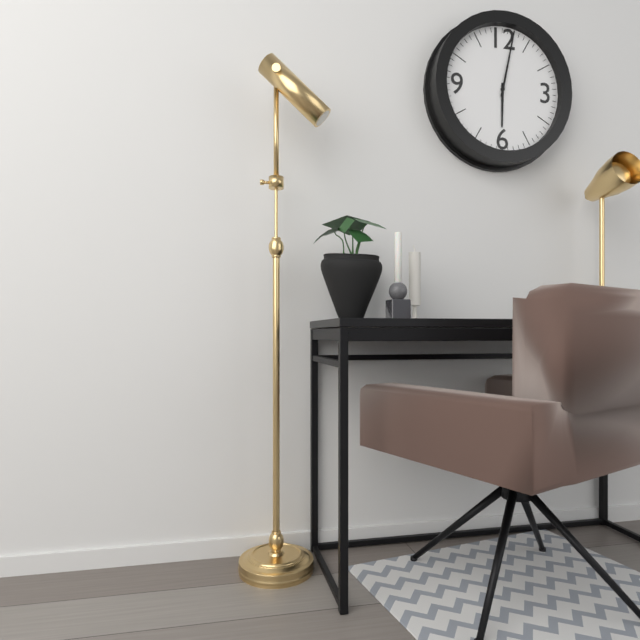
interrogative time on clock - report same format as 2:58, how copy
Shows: 6:02
